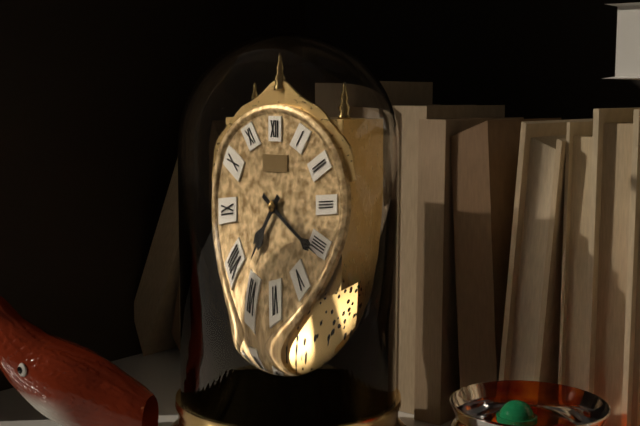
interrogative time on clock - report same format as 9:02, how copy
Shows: 7:21
